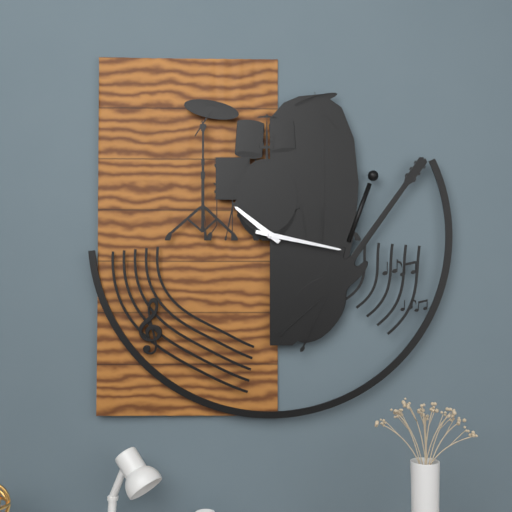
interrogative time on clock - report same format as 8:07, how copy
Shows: 10:17
